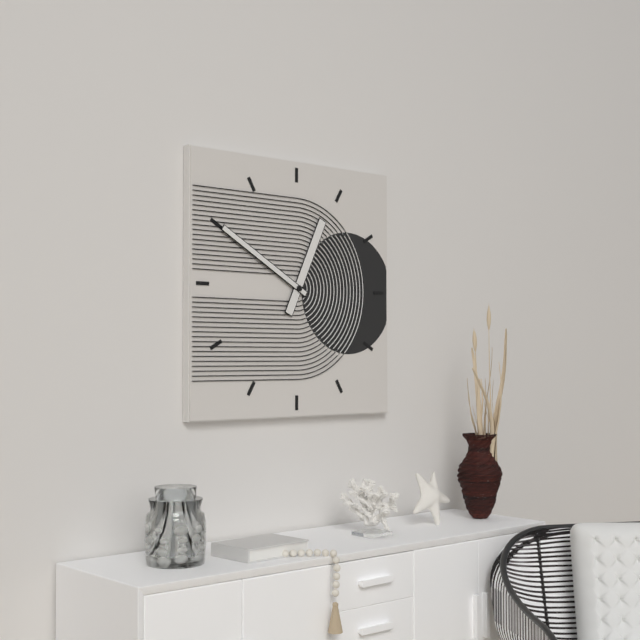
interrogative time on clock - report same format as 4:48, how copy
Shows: 12:50
